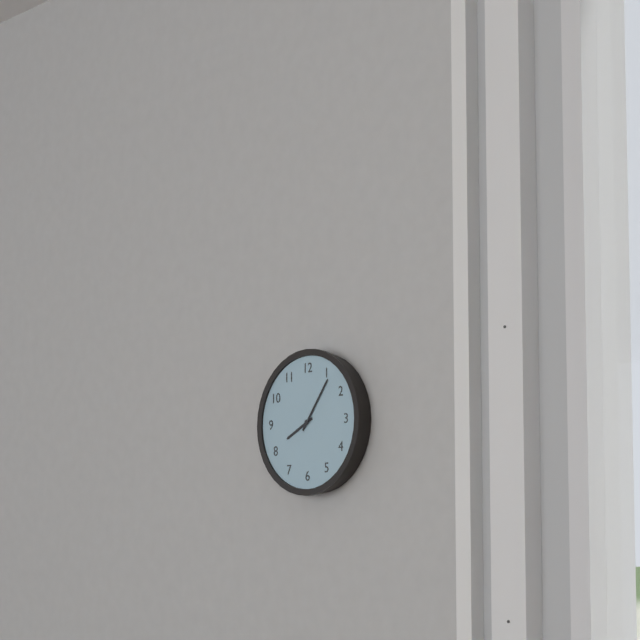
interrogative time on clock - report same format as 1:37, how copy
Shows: 8:06
